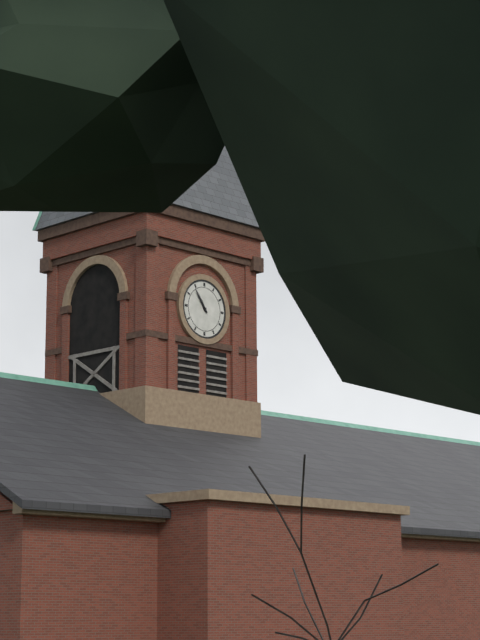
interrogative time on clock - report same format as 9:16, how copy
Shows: 10:54
